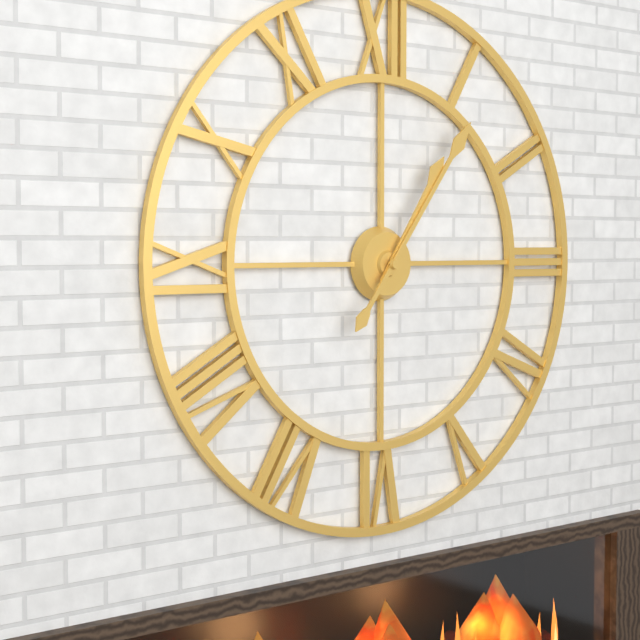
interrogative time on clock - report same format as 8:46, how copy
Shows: 1:06
